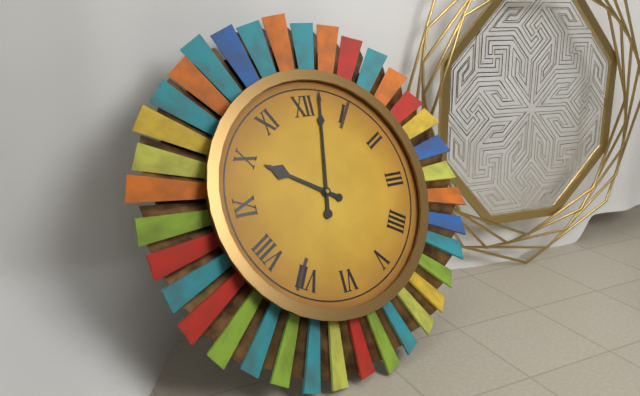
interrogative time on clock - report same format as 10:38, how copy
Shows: 10:02
